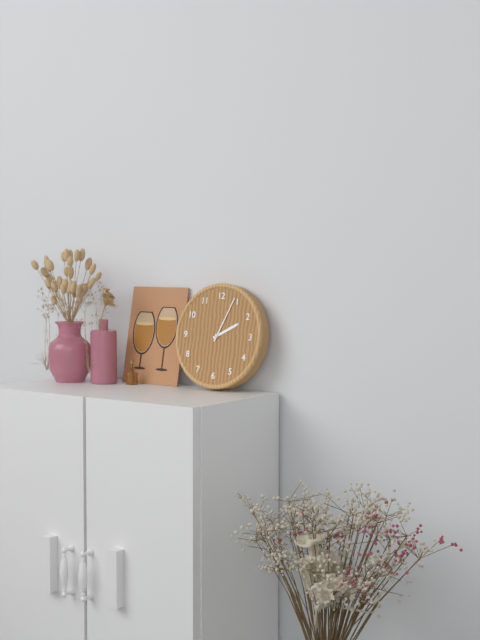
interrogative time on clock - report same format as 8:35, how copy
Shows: 2:04
